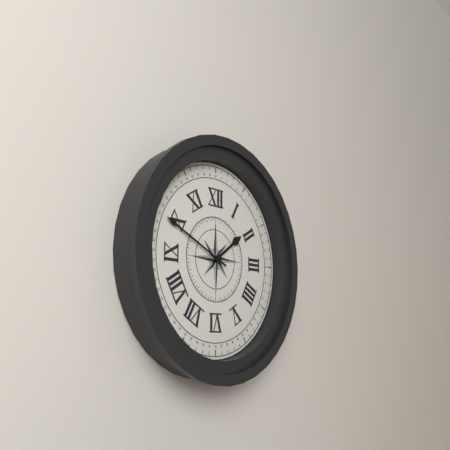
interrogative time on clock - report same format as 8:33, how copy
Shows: 1:49
